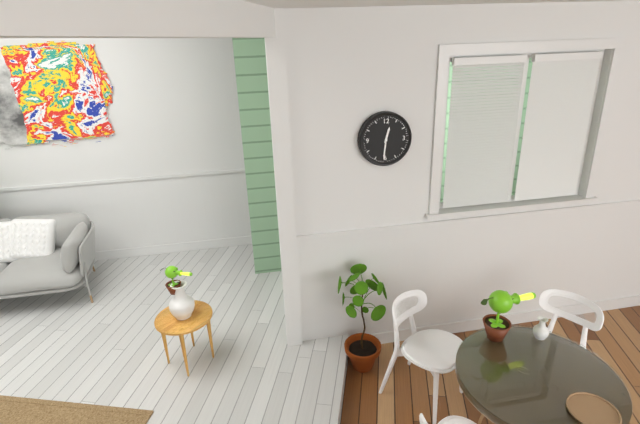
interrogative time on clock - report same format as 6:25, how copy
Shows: 12:31
